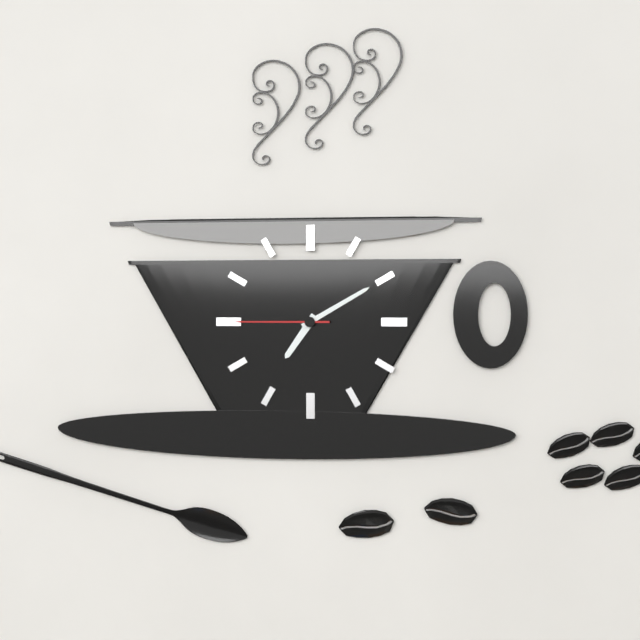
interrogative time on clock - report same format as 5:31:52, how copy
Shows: 7:10:45
